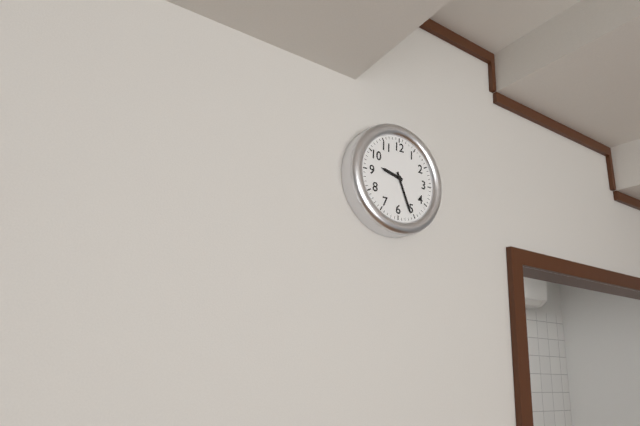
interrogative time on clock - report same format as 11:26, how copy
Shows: 9:26
